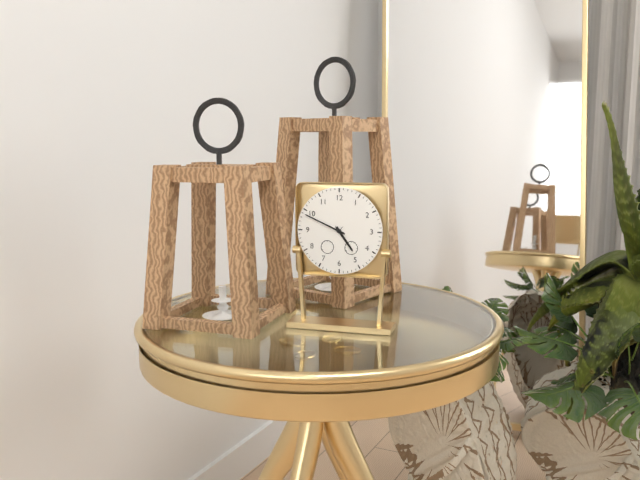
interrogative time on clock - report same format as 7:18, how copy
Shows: 4:49
